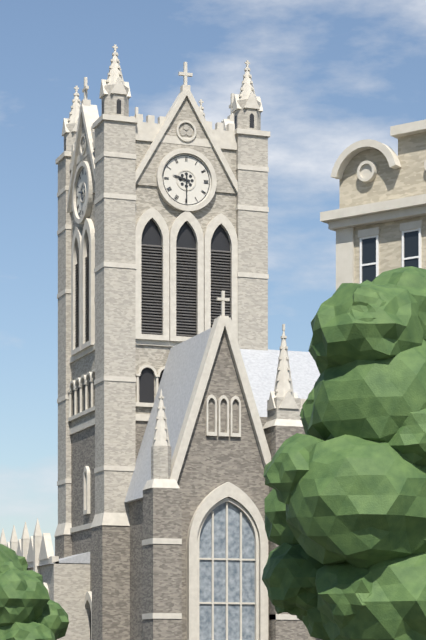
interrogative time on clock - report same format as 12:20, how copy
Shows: 9:30
